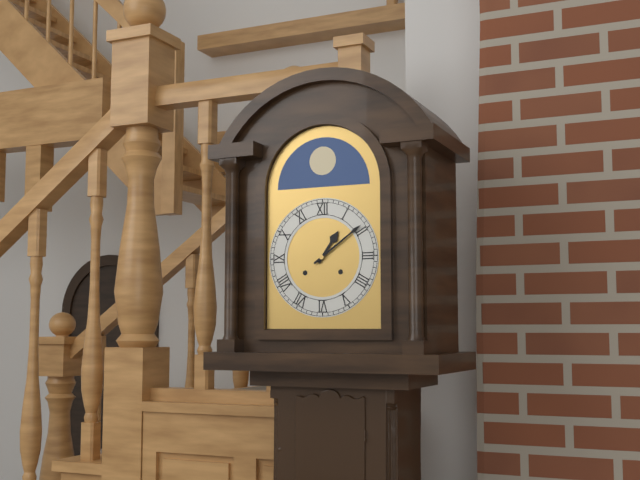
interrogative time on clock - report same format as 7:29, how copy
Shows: 1:09
